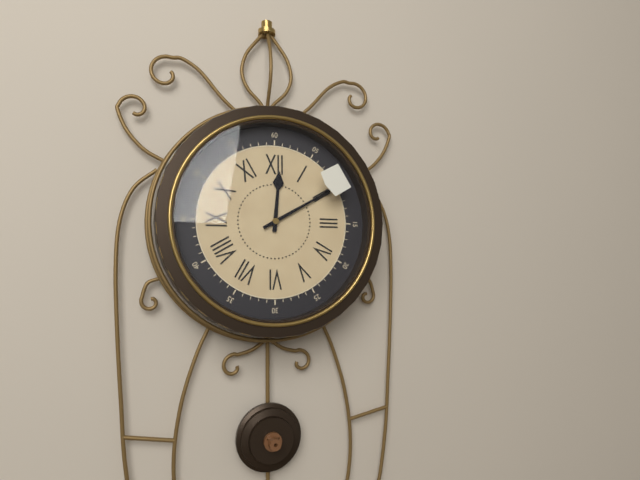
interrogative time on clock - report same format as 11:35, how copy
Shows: 12:10
